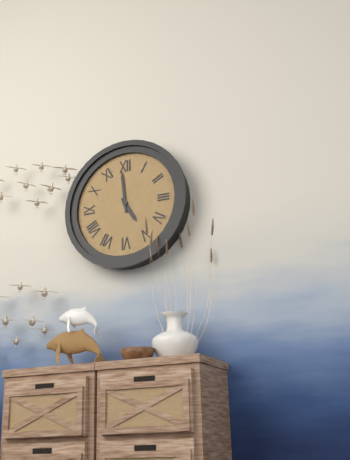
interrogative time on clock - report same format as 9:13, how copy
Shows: 4:59
